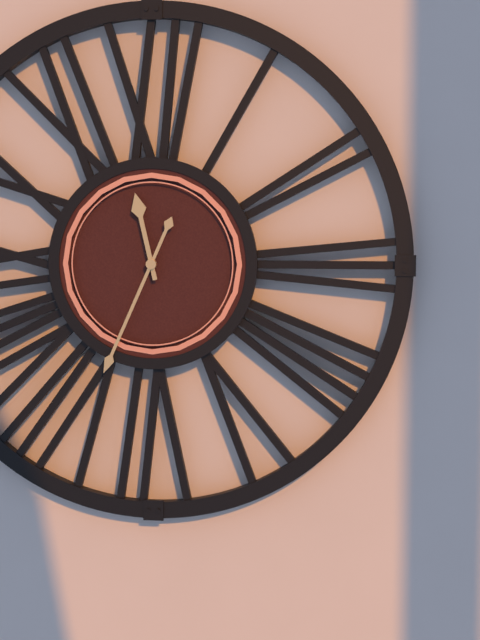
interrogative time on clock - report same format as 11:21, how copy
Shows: 11:34
